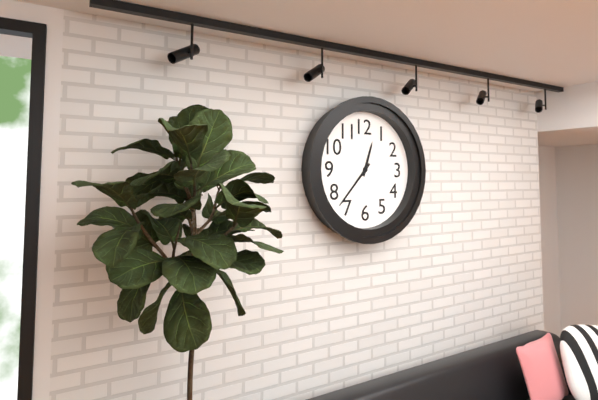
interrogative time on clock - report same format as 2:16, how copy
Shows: 12:37
